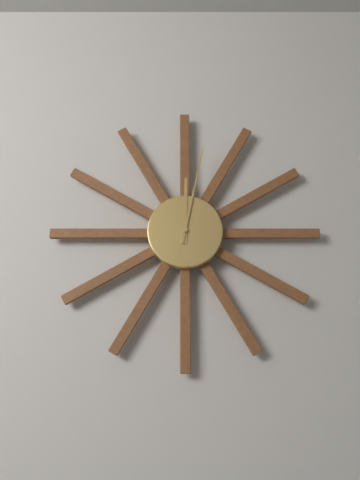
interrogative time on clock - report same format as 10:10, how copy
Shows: 12:02
